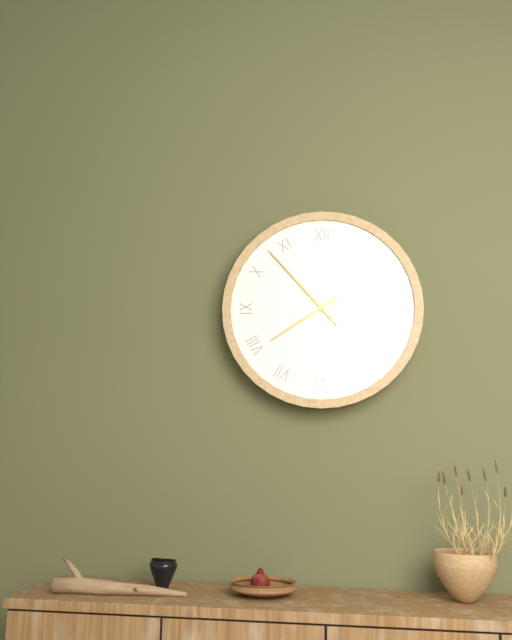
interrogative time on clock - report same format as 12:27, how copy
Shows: 7:53
